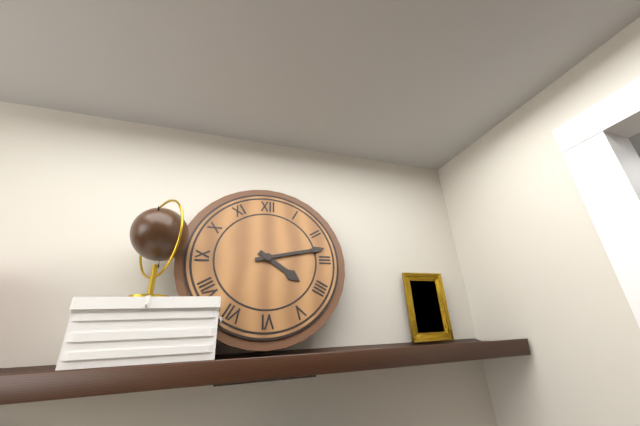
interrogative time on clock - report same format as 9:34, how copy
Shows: 4:13
